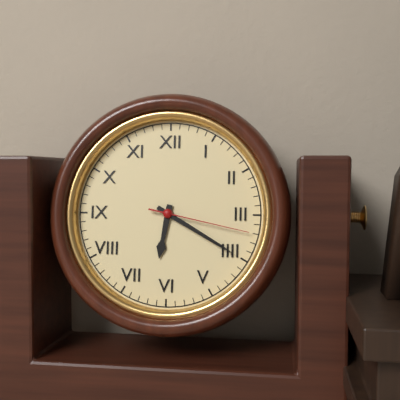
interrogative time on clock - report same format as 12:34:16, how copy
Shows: 6:20:17
